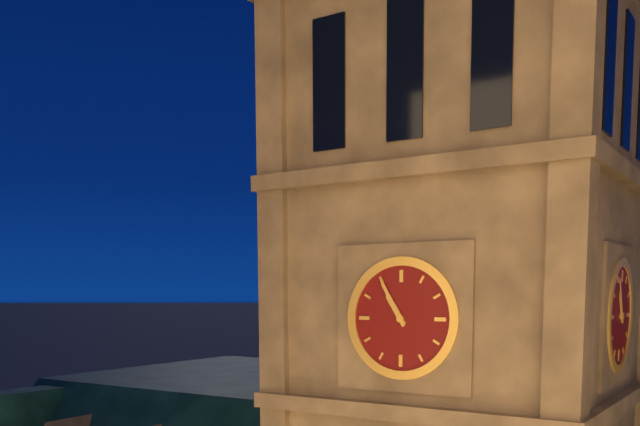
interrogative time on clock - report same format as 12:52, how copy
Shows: 10:55
